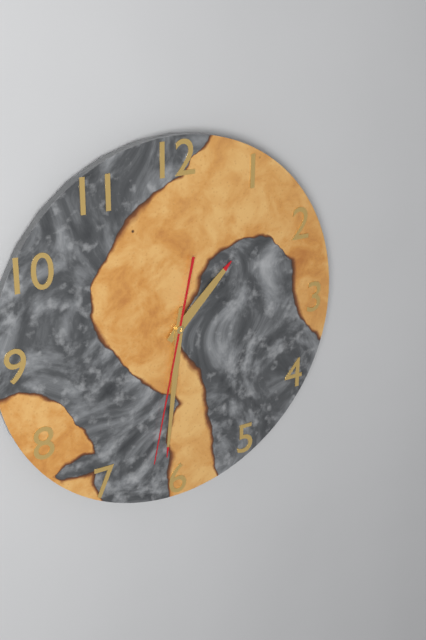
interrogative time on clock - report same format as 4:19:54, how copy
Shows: 1:31:32
